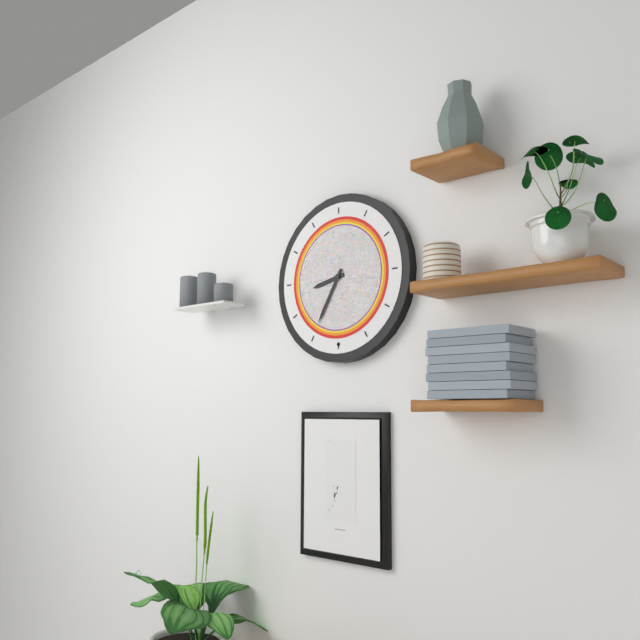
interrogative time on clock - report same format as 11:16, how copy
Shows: 8:35
